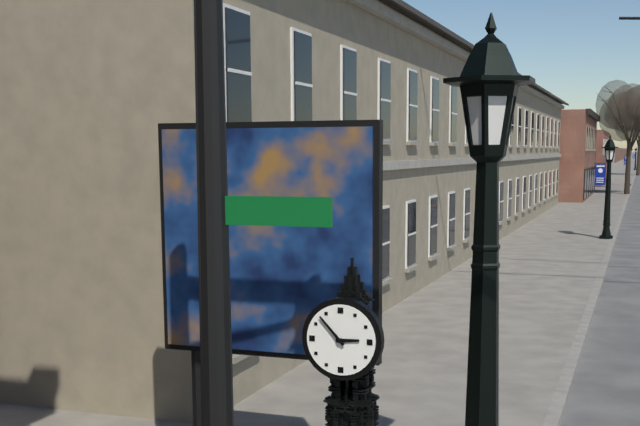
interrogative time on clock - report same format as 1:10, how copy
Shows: 2:53
